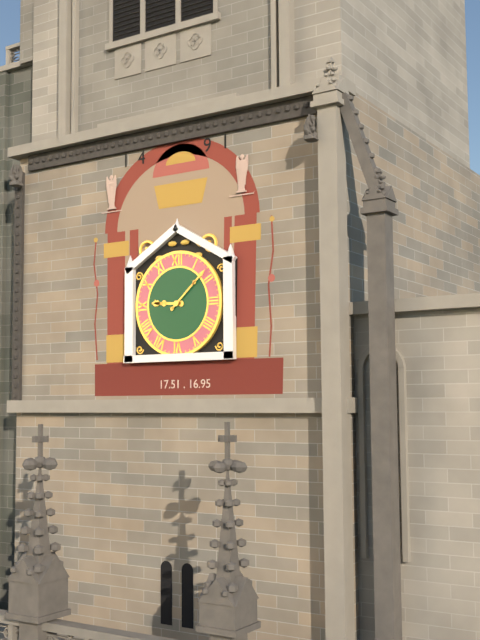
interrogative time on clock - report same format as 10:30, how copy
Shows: 9:08
